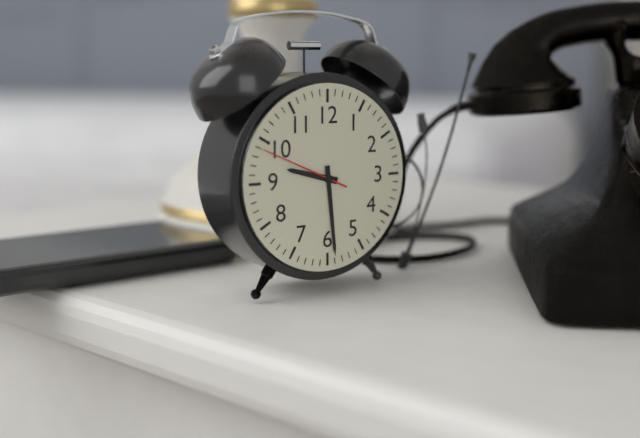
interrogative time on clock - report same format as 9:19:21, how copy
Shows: 9:29:49
